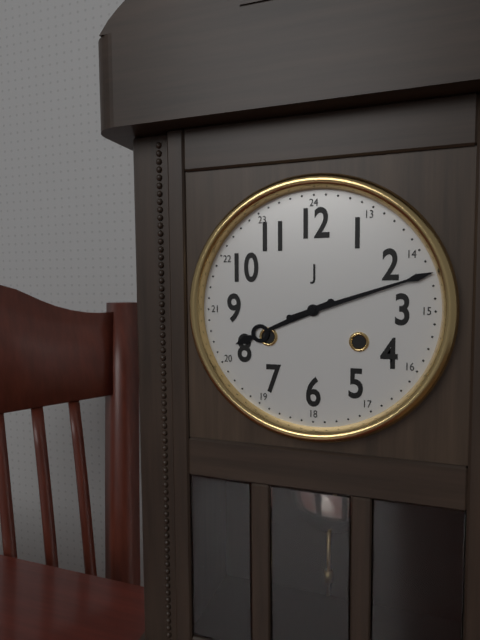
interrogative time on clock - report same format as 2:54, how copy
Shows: 8:12
